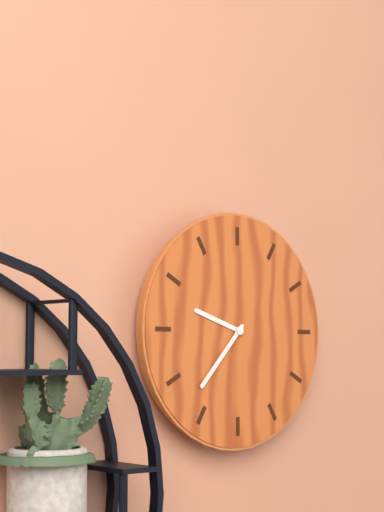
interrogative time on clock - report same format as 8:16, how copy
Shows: 9:37
